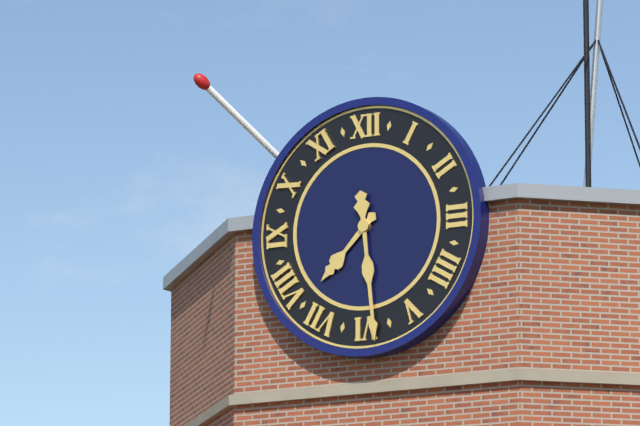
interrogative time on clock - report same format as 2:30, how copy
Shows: 7:29
